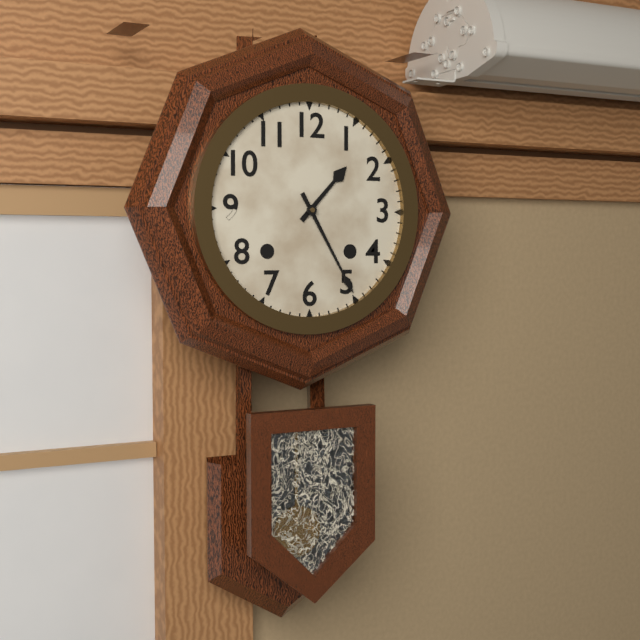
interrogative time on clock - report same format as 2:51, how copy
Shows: 1:25
